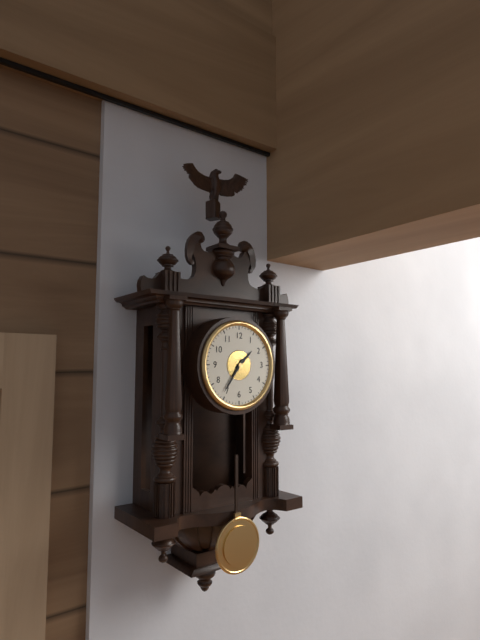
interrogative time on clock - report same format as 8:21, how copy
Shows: 1:36
